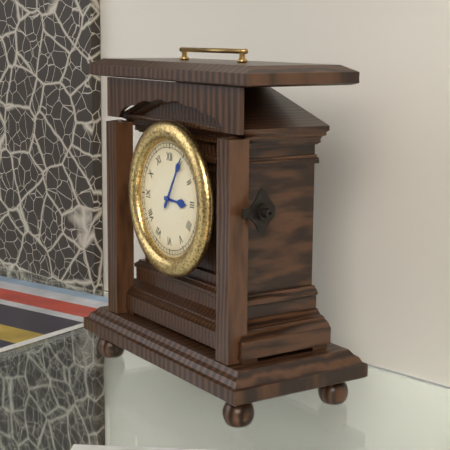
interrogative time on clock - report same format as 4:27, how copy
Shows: 3:05
